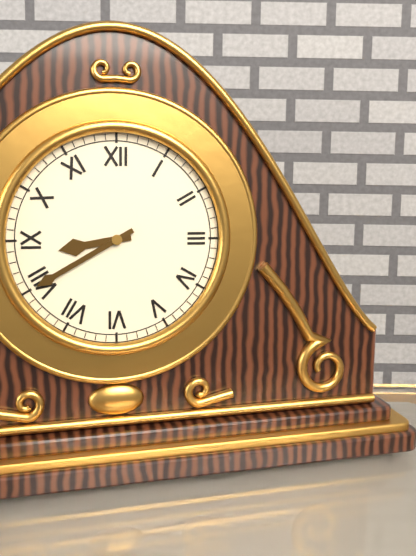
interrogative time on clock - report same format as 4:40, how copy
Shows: 8:40
